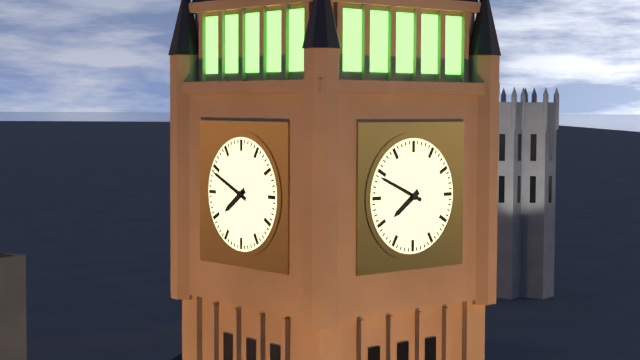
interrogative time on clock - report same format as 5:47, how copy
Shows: 7:49
